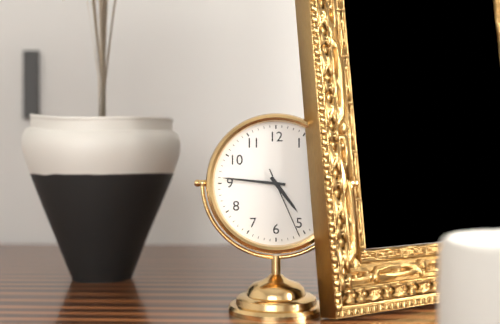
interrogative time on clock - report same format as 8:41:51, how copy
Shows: 4:46:26
